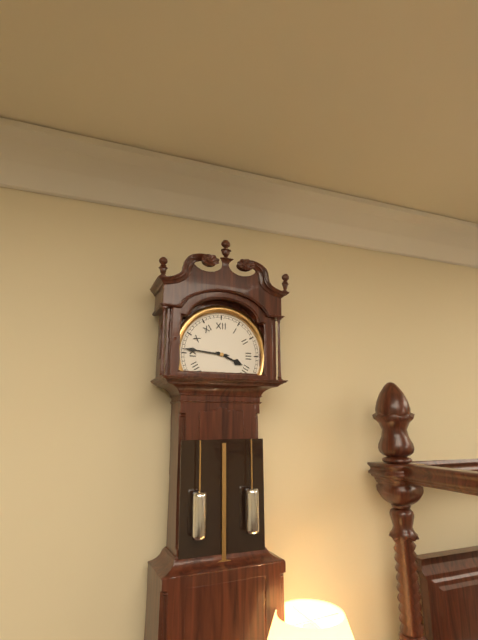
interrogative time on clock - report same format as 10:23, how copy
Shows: 3:46
